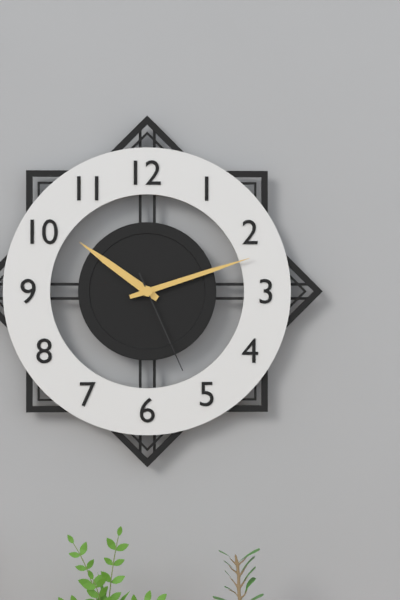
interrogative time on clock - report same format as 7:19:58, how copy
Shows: 10:12:26
